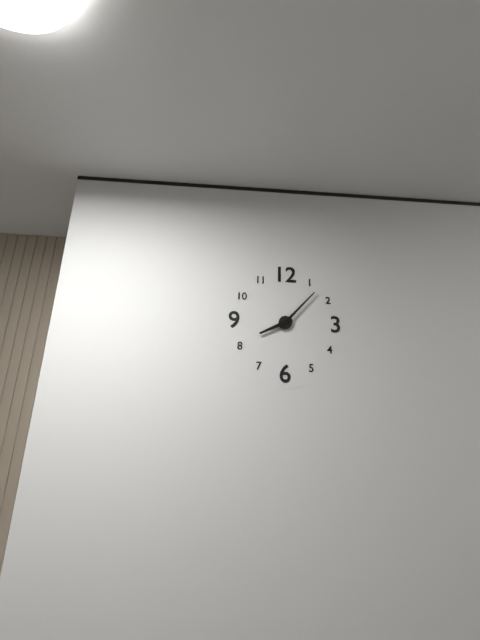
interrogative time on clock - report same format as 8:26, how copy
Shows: 8:07
